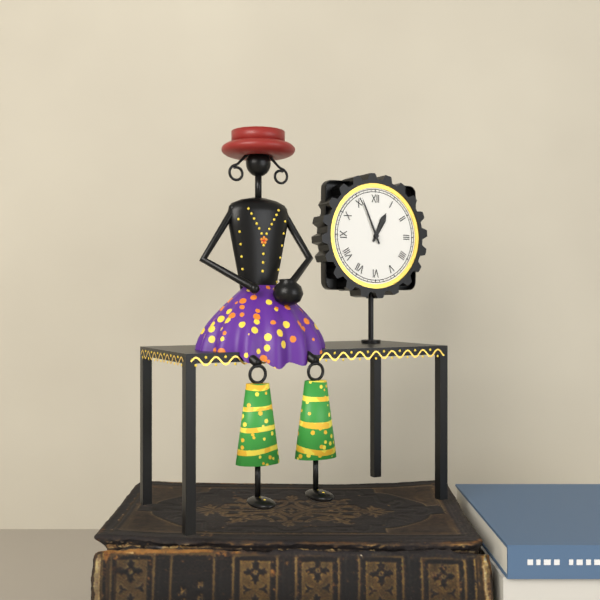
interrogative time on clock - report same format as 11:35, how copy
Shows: 12:56
